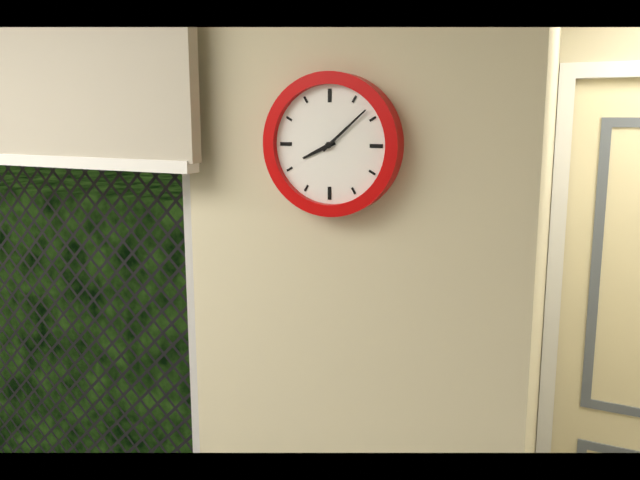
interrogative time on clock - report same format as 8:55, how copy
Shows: 8:08
